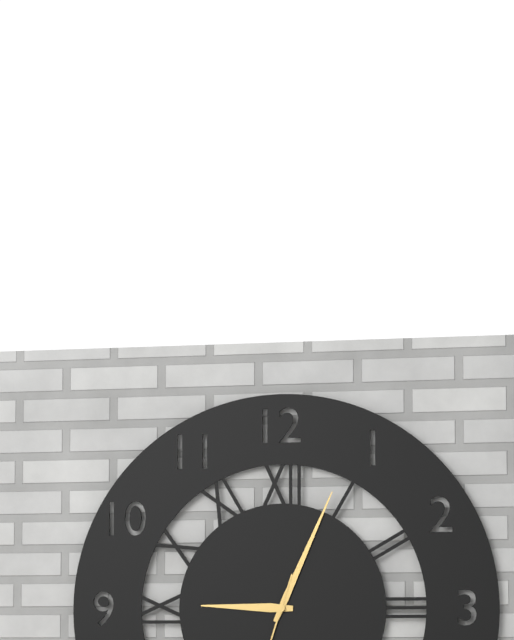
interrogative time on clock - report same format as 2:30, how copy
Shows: 9:04
